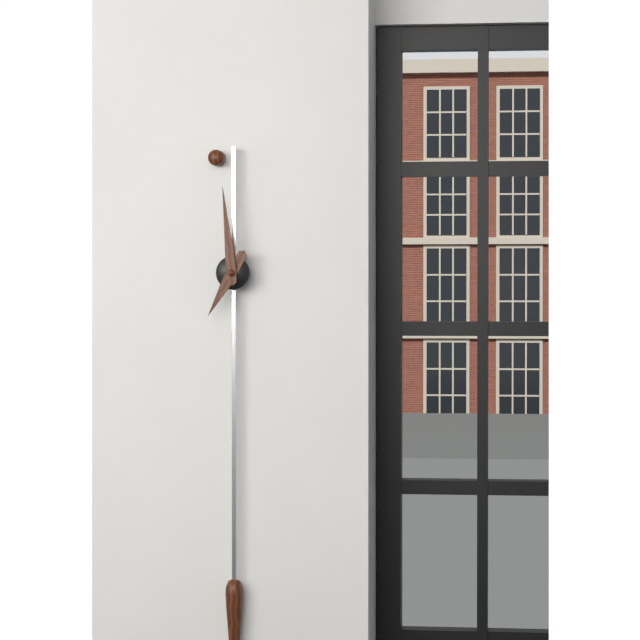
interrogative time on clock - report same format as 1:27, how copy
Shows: 6:59
